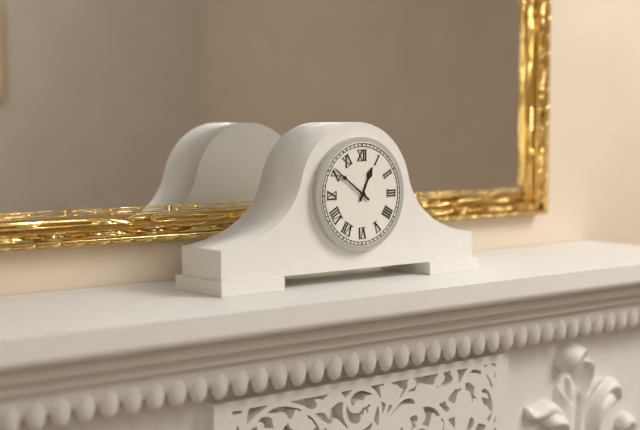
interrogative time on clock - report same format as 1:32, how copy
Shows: 12:51
